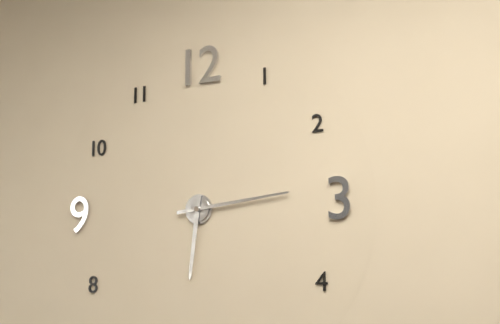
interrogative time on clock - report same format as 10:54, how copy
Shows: 6:14
